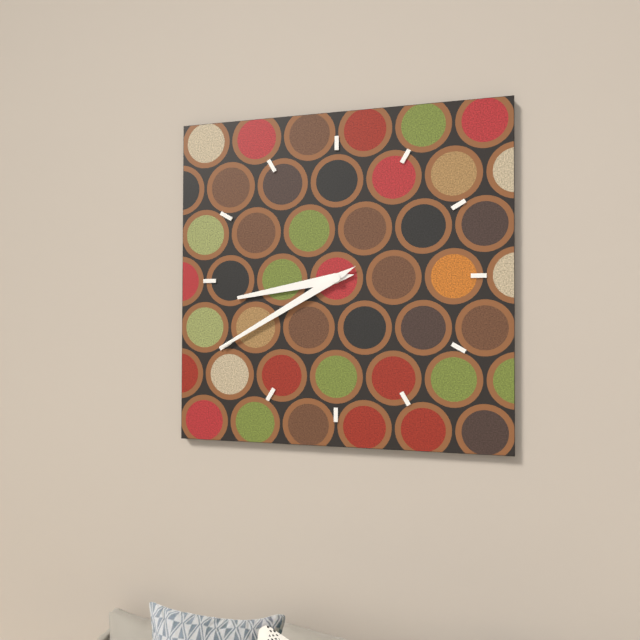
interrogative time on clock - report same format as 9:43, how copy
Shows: 8:40
